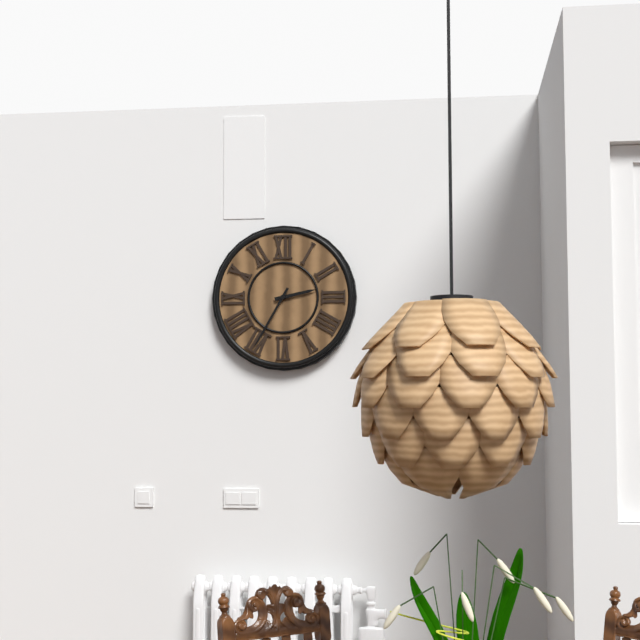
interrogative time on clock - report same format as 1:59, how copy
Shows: 2:35
